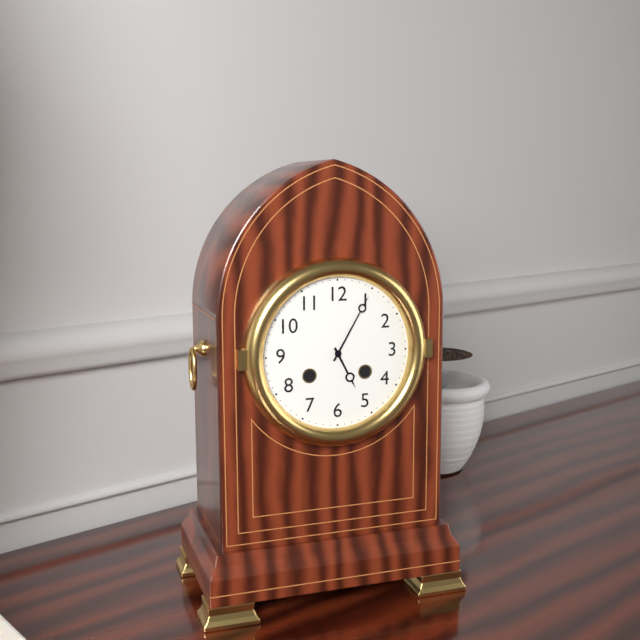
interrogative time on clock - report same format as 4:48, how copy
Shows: 5:05
